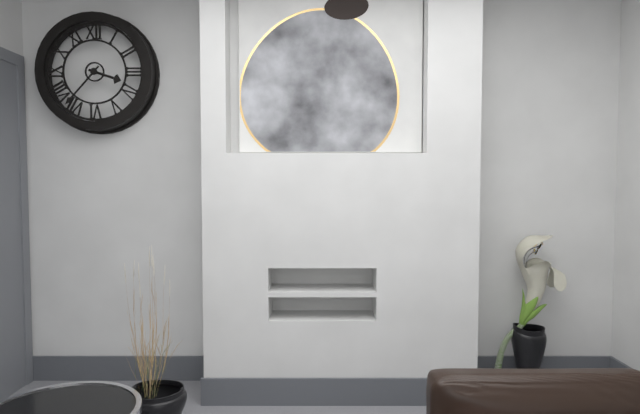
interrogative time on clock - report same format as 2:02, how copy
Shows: 3:37
